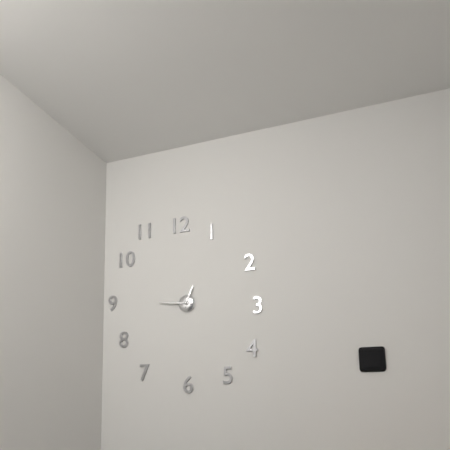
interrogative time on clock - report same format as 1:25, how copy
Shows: 12:46
